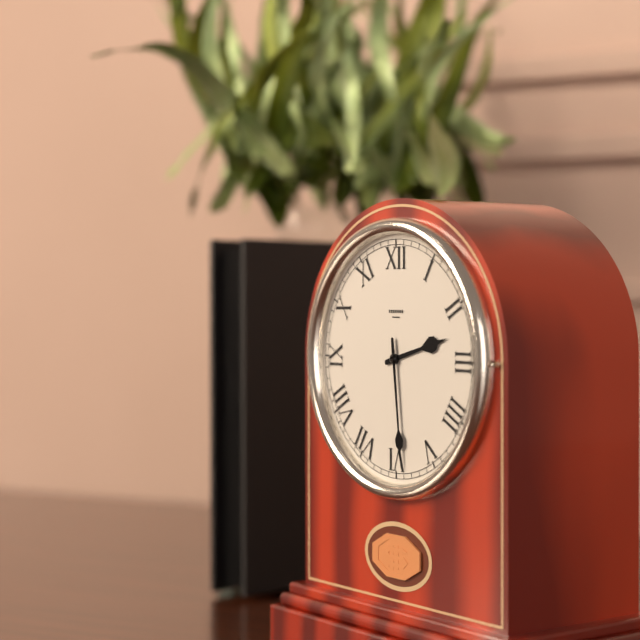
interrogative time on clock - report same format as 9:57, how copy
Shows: 2:29
